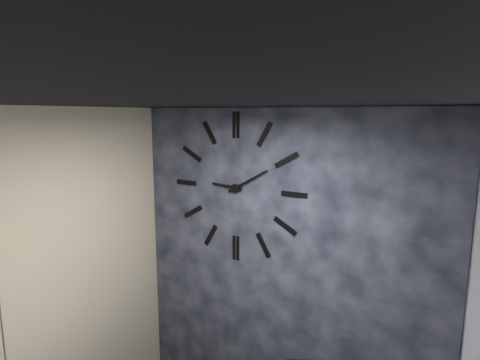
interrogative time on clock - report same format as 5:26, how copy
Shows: 9:10
